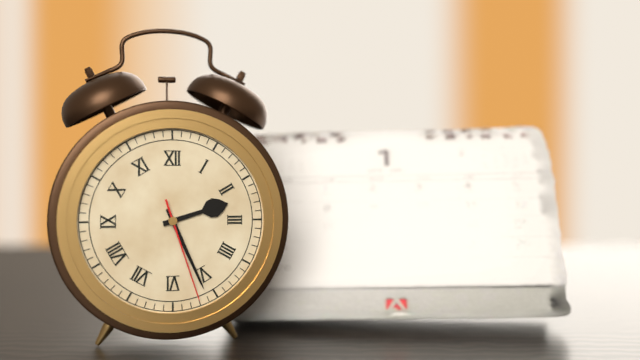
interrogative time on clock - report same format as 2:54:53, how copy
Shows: 2:26:27
